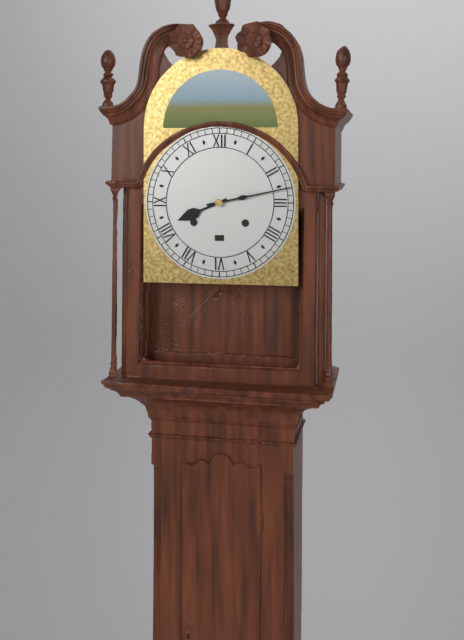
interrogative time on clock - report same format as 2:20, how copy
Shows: 8:13
